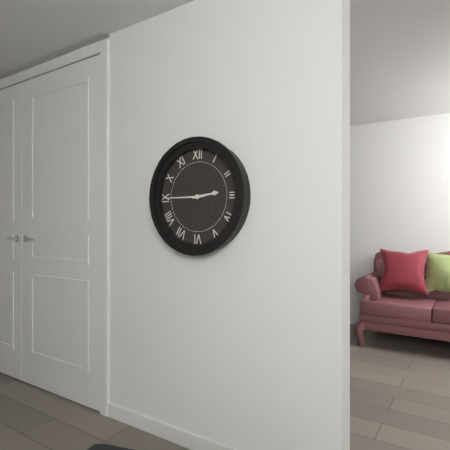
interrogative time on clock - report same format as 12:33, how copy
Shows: 2:45
